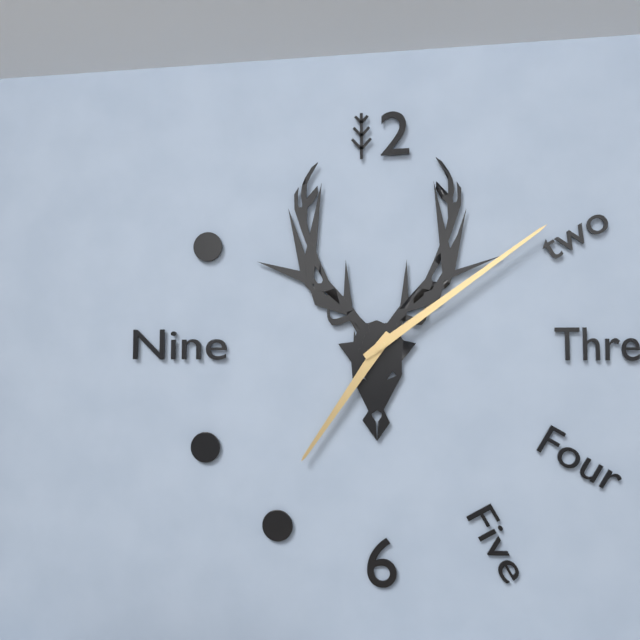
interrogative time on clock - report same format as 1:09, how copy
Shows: 7:09
